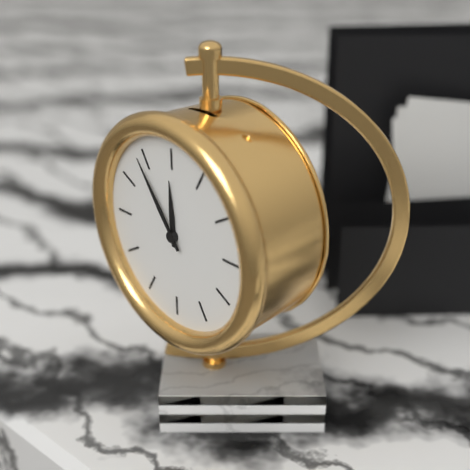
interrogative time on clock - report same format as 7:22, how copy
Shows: 11:54
